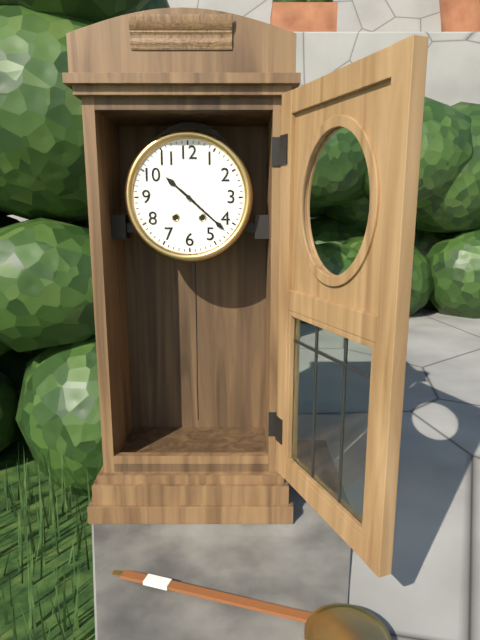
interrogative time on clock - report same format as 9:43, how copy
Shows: 10:22
